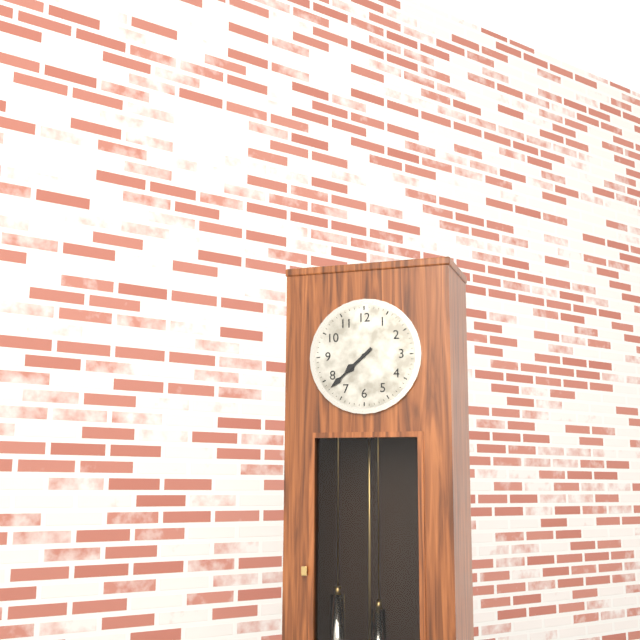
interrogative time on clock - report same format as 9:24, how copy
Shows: 7:38
